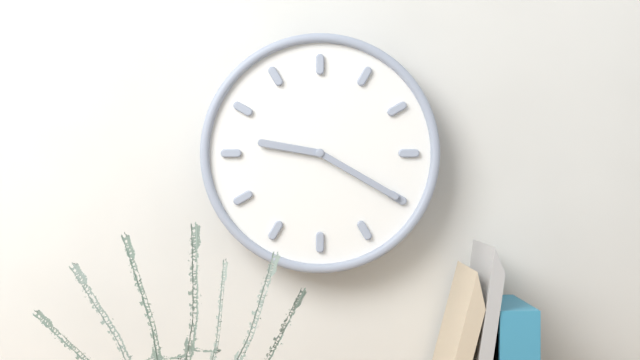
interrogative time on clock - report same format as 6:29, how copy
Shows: 9:20
